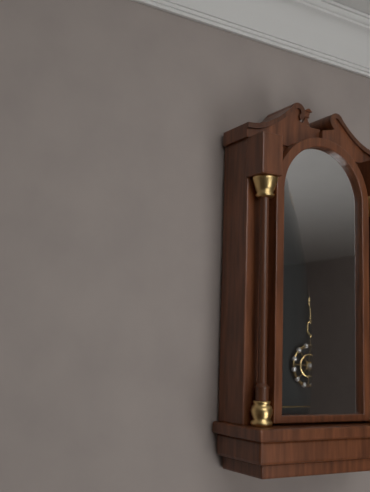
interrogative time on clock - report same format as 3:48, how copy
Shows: 6:24
